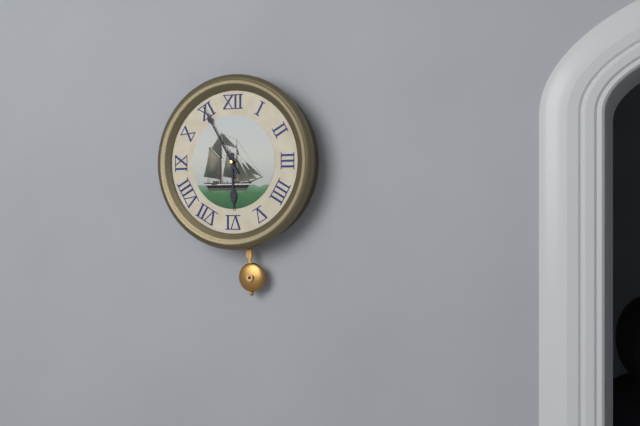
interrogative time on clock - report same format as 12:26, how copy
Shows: 5:55
